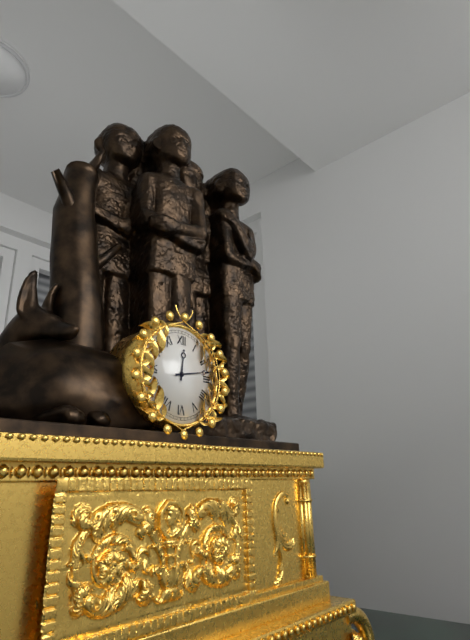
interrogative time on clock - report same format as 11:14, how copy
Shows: 12:13
